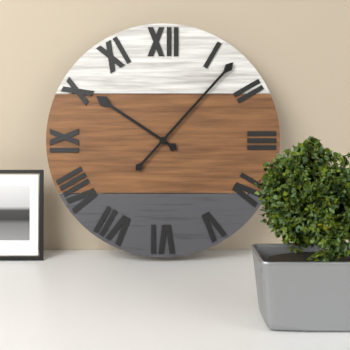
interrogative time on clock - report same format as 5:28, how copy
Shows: 10:07
